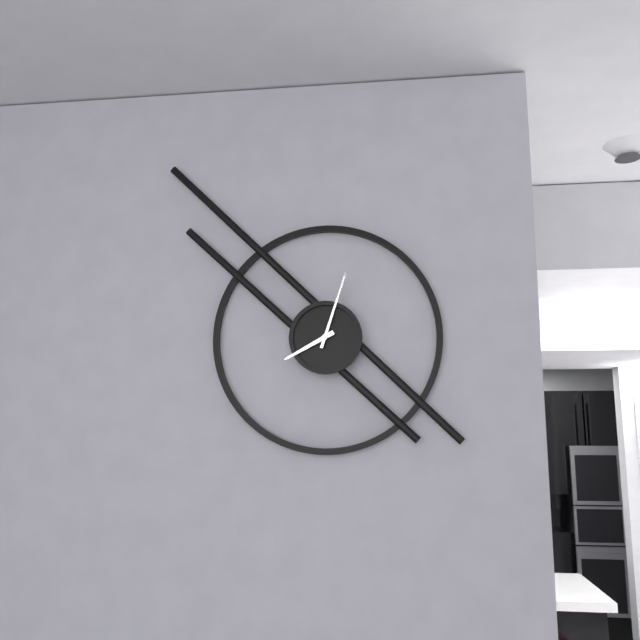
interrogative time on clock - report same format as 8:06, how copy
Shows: 8:03
